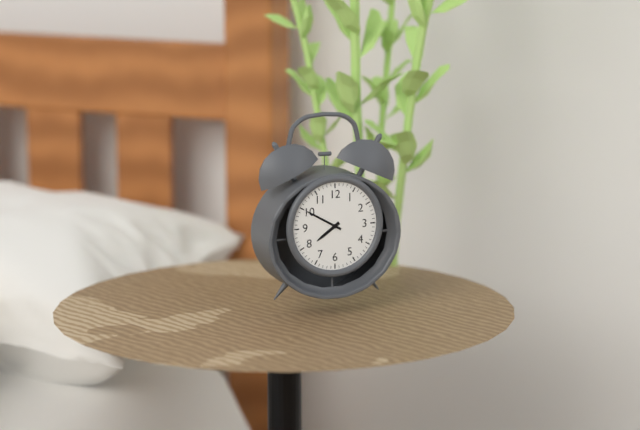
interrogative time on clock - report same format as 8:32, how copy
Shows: 7:50
